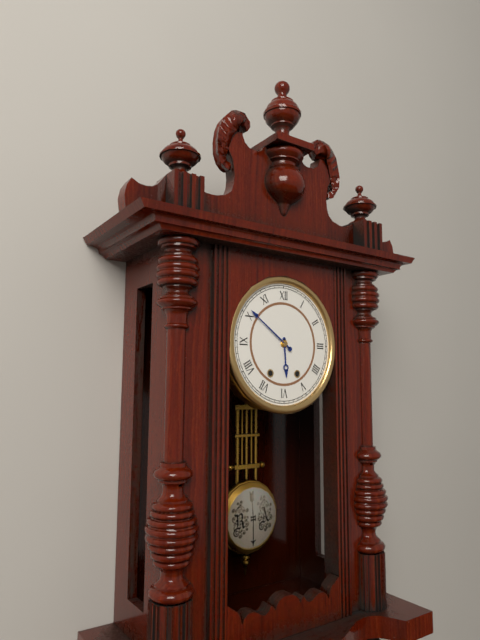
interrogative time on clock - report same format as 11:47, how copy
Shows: 5:51
